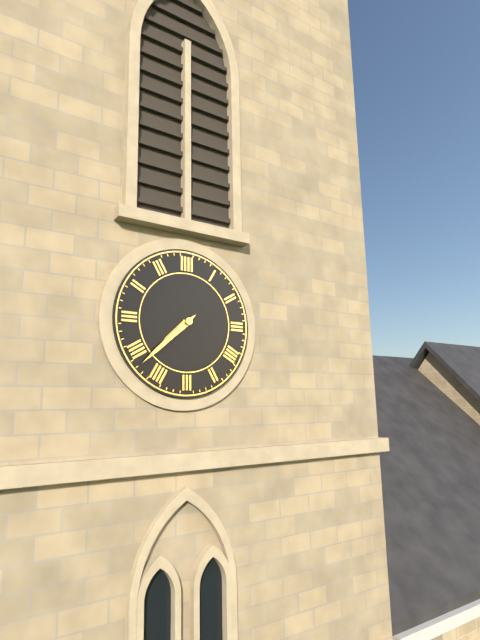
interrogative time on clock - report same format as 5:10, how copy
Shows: 7:38
